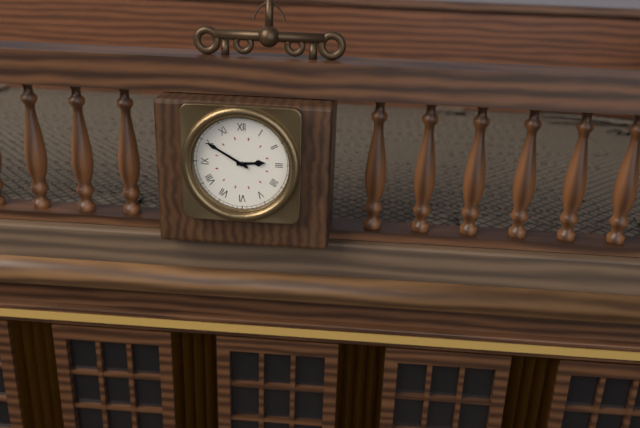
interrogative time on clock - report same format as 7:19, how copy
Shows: 2:50
